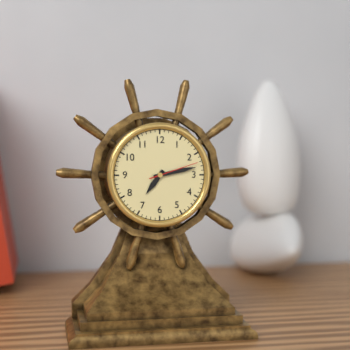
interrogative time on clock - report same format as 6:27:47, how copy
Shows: 7:13:12
